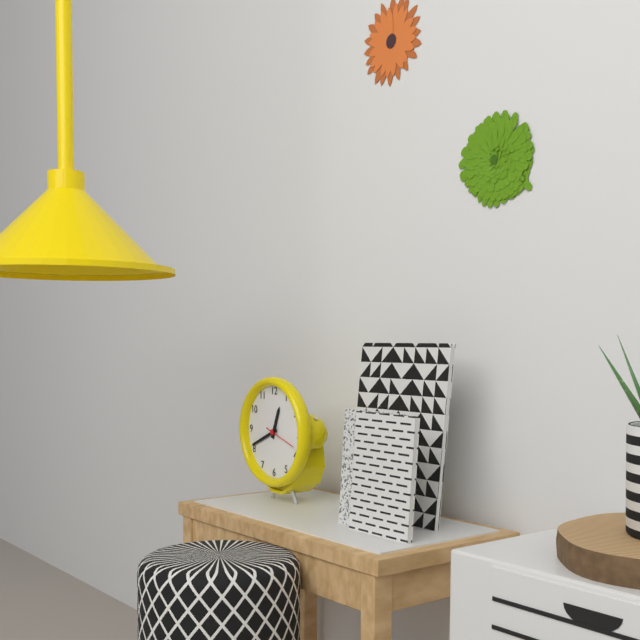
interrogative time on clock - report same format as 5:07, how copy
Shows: 12:41
